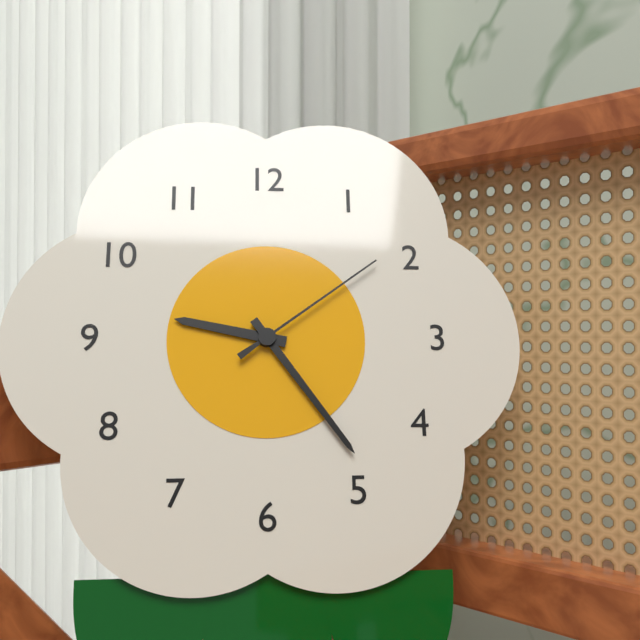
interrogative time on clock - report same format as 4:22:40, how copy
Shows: 9:24:09
